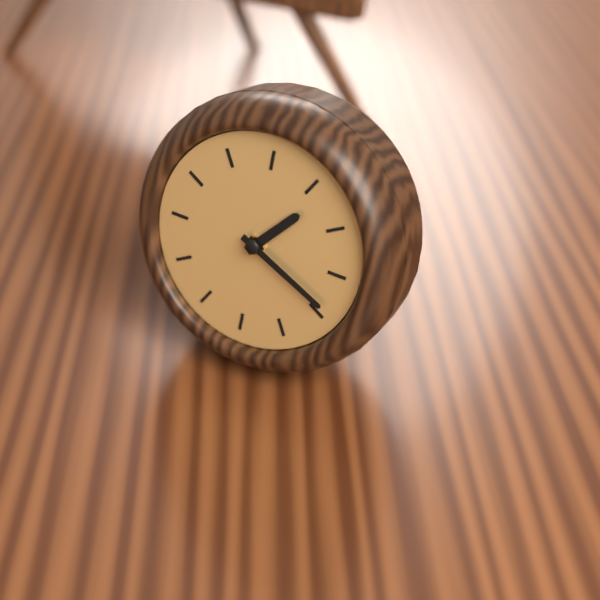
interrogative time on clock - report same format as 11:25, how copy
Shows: 1:19
